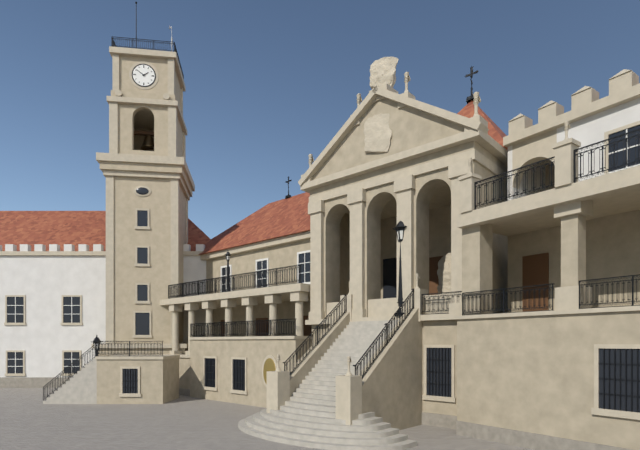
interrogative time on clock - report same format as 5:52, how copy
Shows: 1:51
